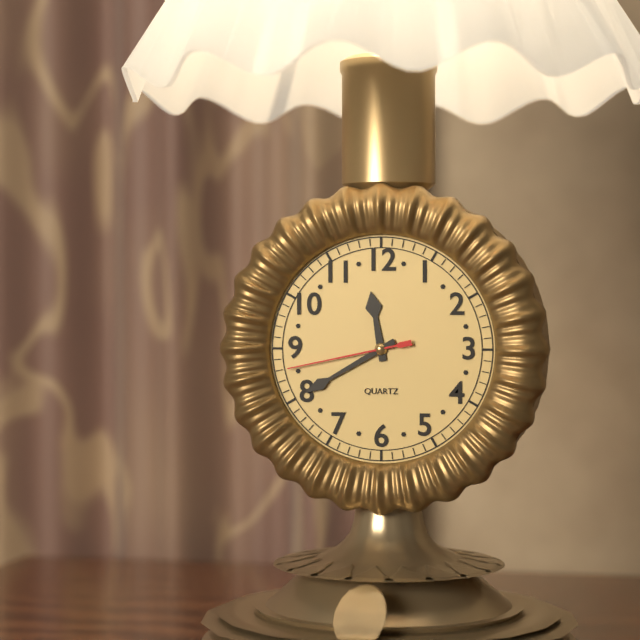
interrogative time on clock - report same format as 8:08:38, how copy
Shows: 11:40:43
